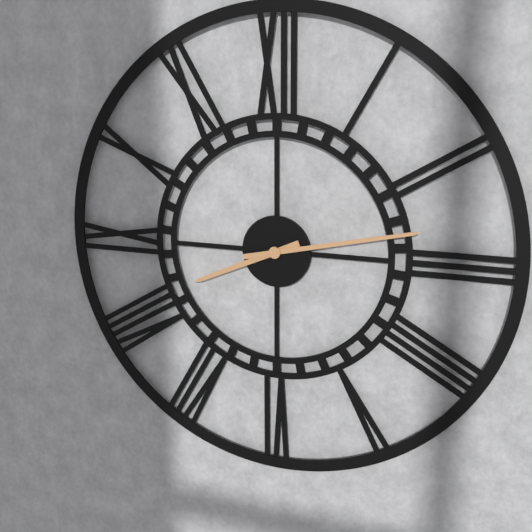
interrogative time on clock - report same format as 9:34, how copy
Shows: 8:13
